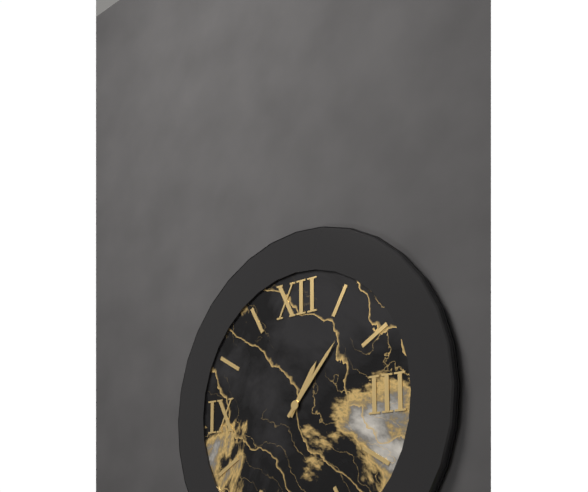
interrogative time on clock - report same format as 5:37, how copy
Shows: 1:07
